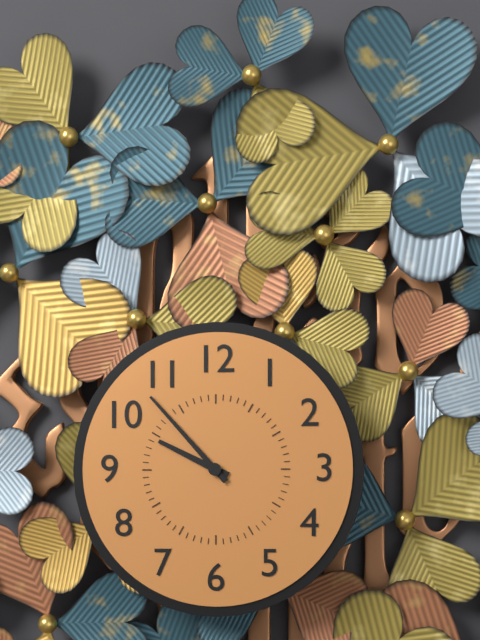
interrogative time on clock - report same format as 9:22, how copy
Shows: 9:53
